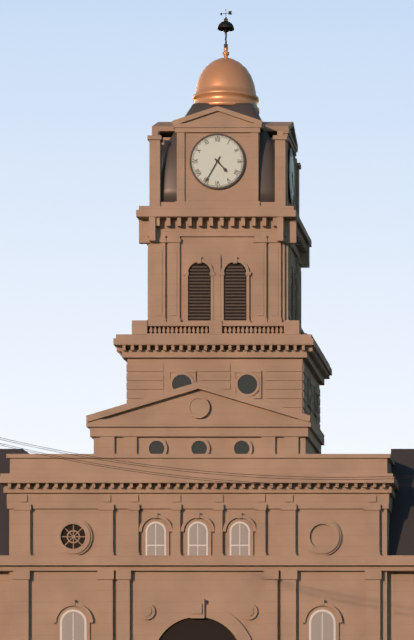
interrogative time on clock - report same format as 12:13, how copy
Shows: 4:35
